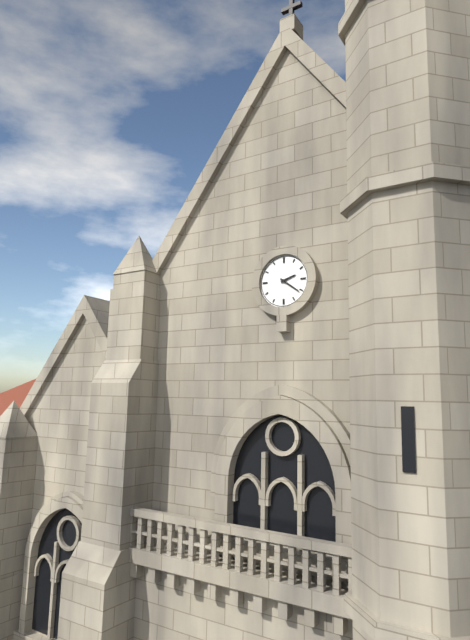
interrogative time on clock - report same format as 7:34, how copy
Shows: 2:21
